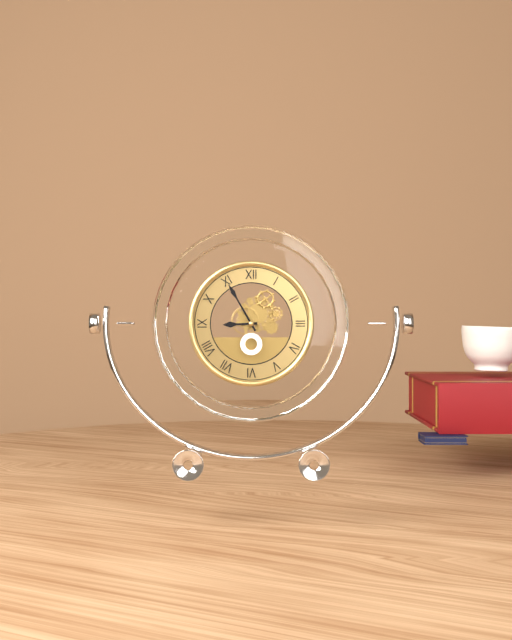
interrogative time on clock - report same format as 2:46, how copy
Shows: 8:55
